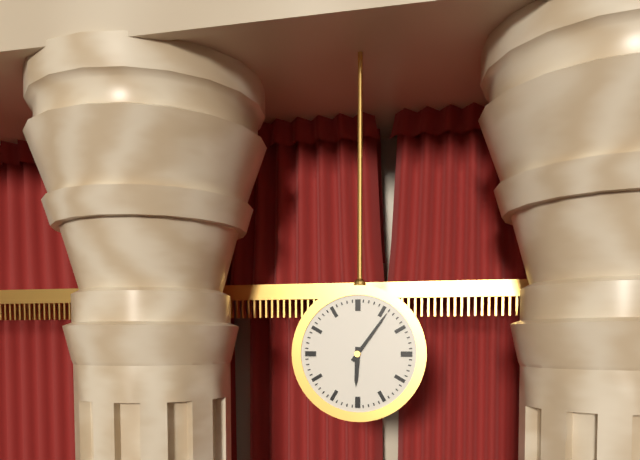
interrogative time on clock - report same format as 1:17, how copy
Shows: 6:06
